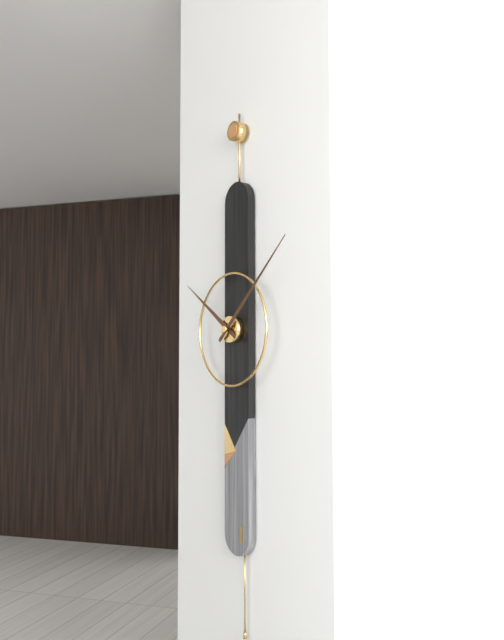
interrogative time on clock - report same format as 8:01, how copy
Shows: 10:08
